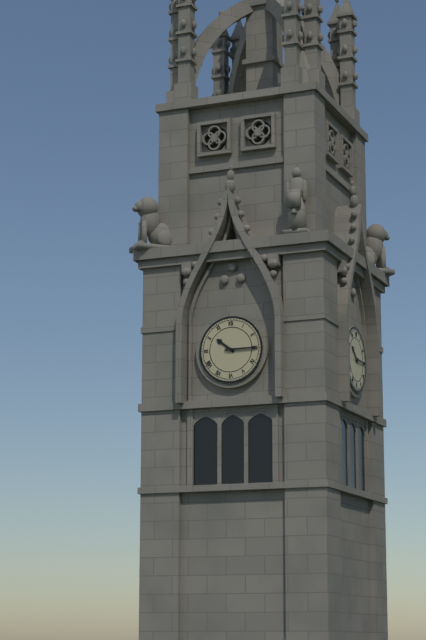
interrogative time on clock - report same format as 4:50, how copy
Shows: 10:15
